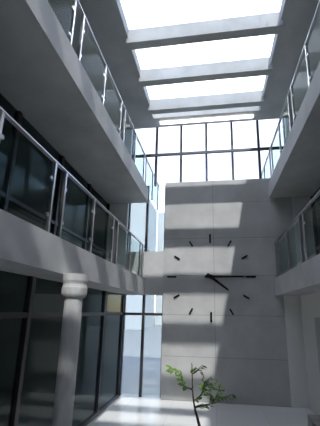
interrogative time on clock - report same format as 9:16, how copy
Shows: 4:15
